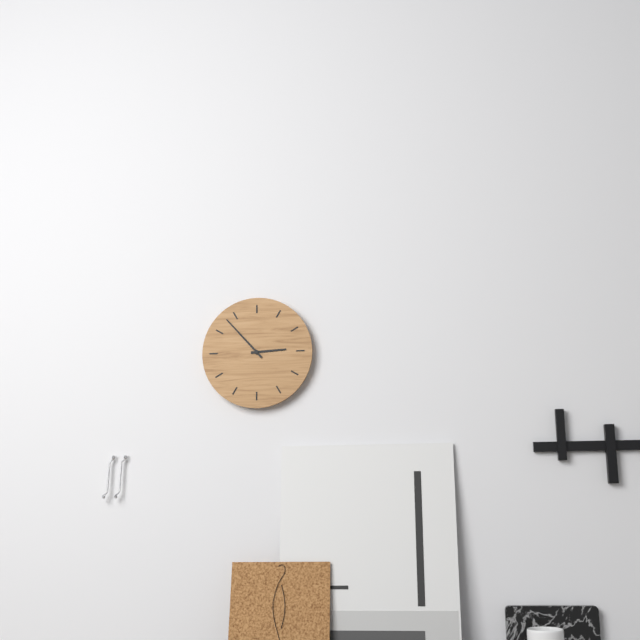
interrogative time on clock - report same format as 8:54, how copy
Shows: 2:53
